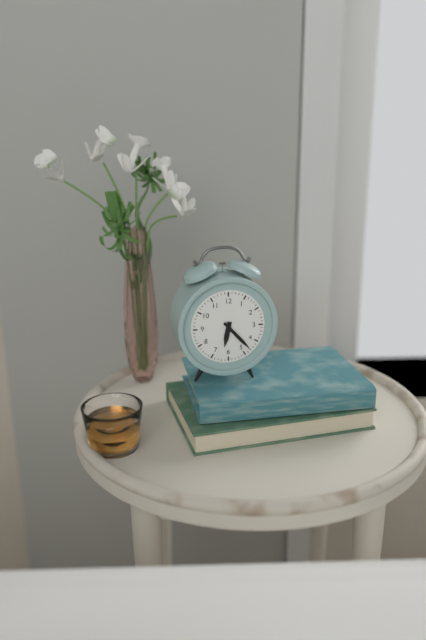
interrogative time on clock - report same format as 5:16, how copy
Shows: 6:23
